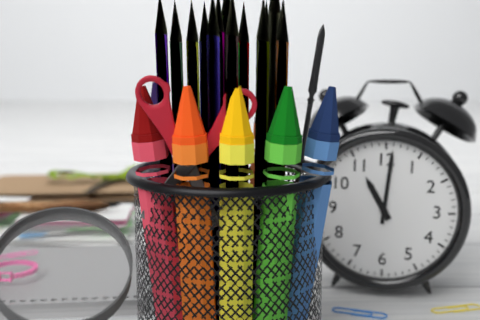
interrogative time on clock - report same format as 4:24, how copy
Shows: 11:01
